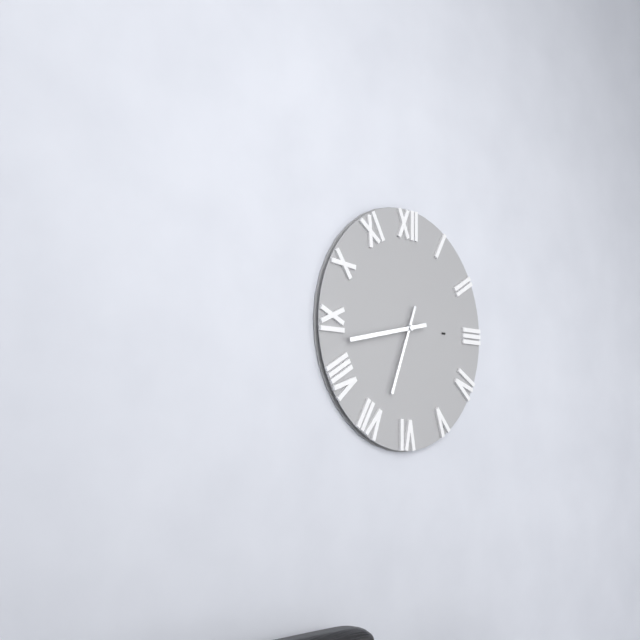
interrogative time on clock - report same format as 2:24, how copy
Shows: 6:43
